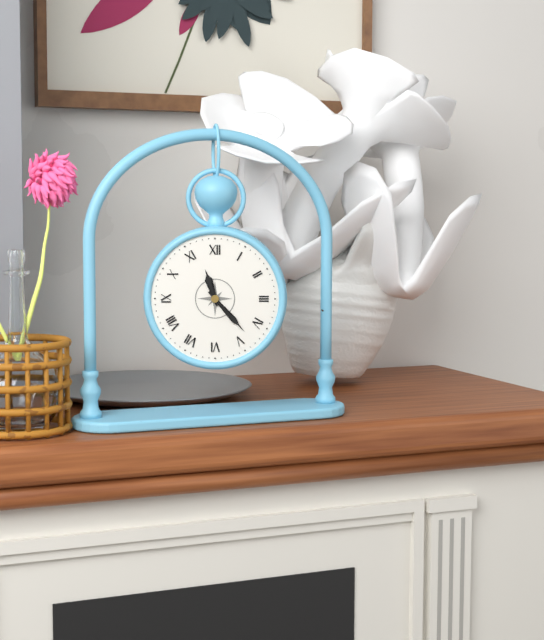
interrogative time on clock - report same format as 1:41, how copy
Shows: 11:23
